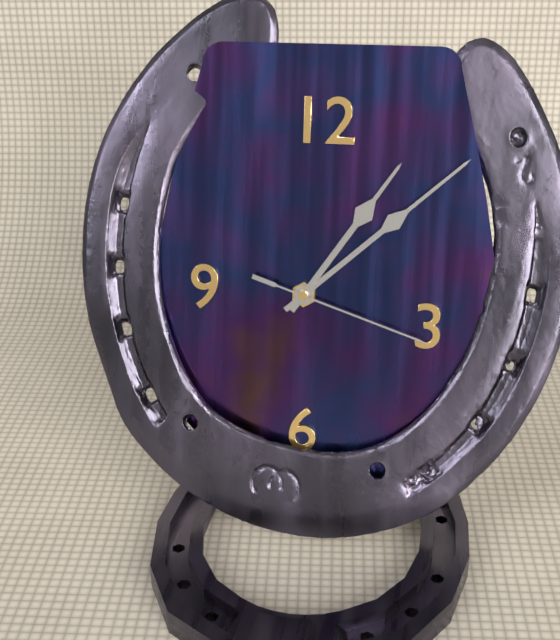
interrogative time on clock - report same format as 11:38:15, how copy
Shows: 1:08:18
